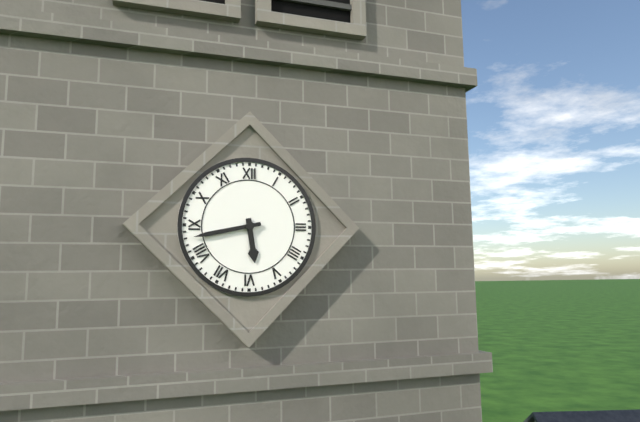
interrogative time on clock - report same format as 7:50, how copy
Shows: 5:43
